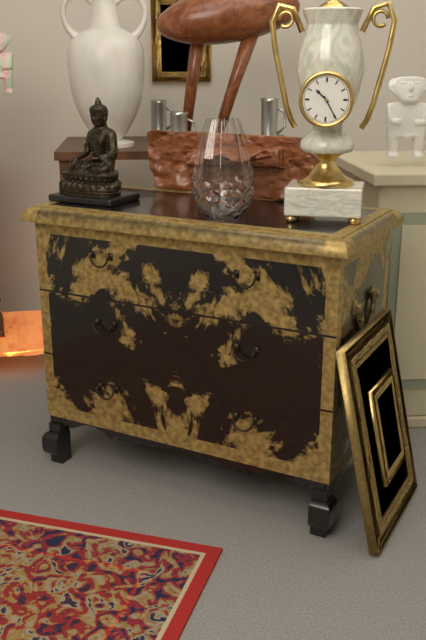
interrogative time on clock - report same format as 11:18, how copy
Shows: 10:25
